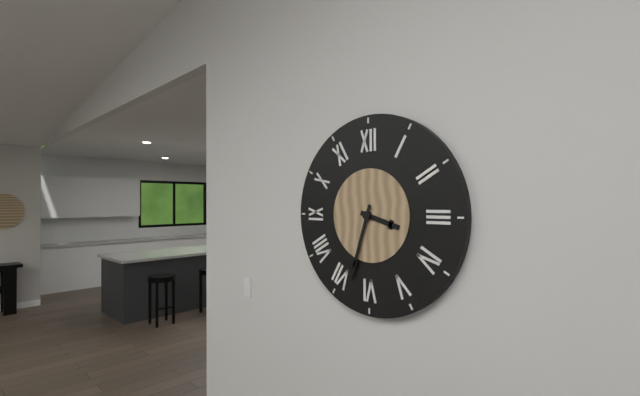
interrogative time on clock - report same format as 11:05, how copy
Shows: 3:33
